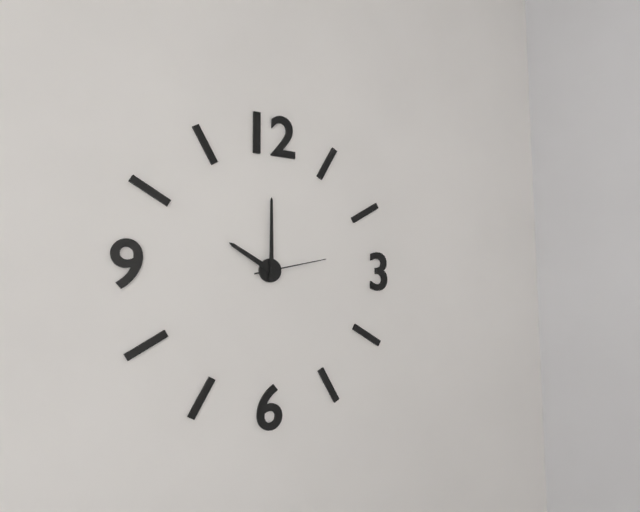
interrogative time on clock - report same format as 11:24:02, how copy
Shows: 10:00:13
